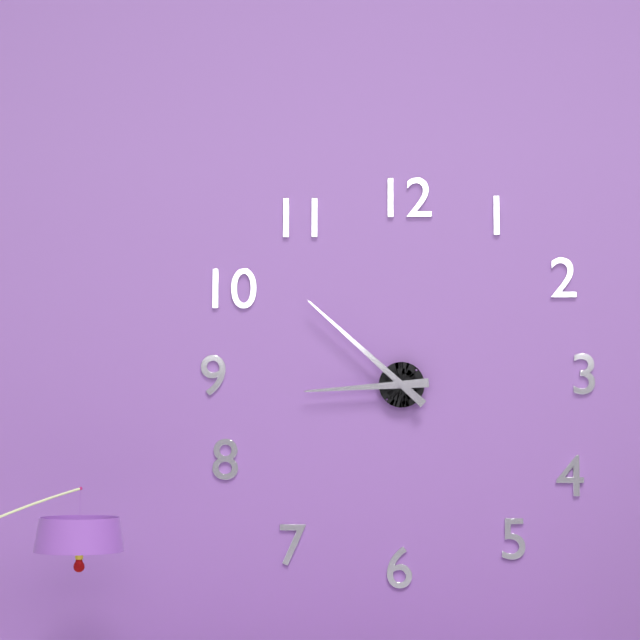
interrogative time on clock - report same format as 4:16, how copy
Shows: 8:52
